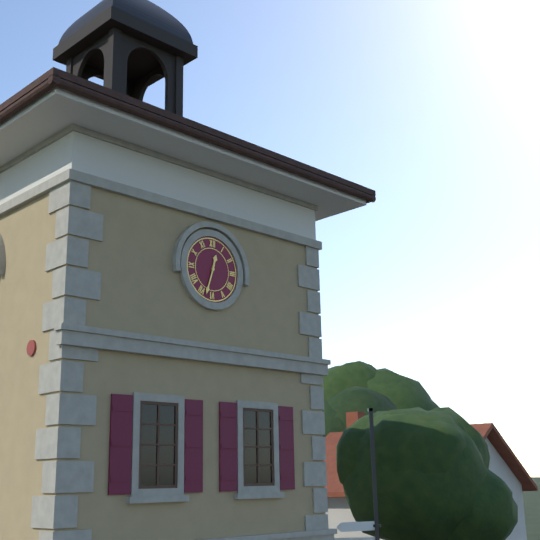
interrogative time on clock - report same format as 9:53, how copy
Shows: 12:33
